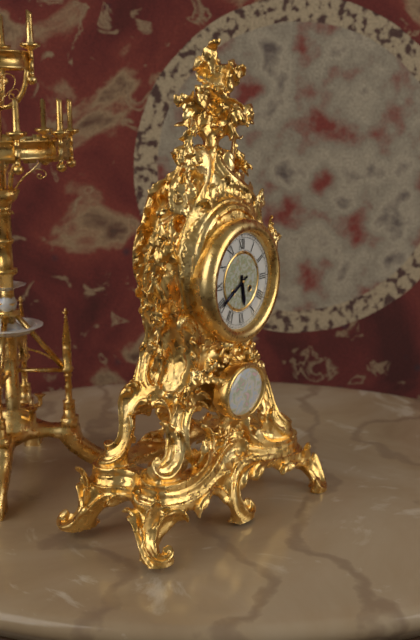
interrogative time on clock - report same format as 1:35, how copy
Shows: 5:40
